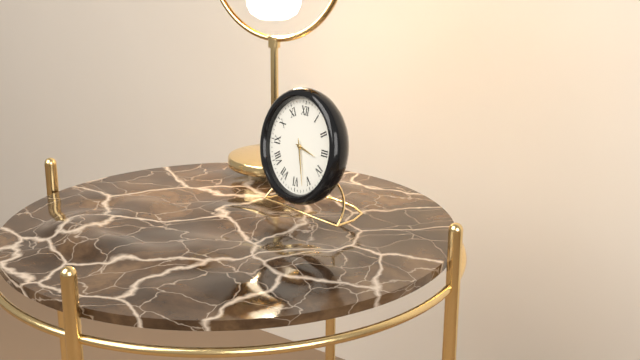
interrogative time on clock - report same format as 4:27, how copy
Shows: 3:27
